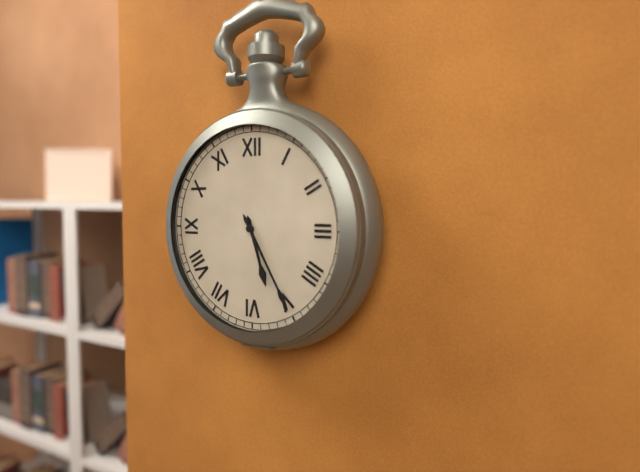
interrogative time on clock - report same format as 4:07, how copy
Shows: 5:25
